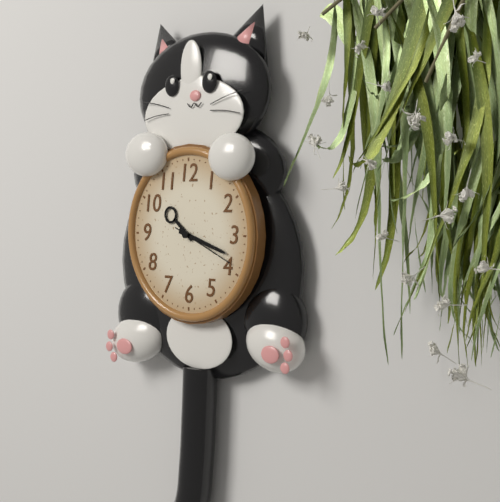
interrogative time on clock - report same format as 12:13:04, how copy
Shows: 10:18:19
